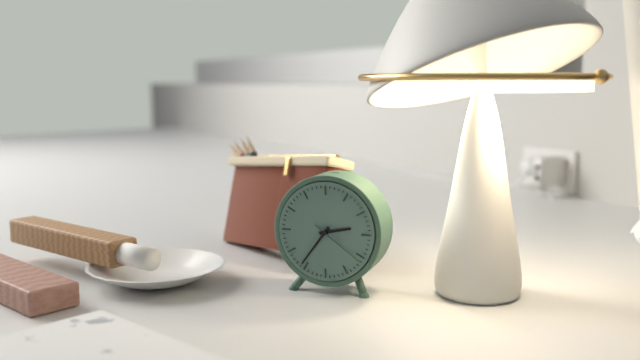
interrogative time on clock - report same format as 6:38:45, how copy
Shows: 2:36:21
